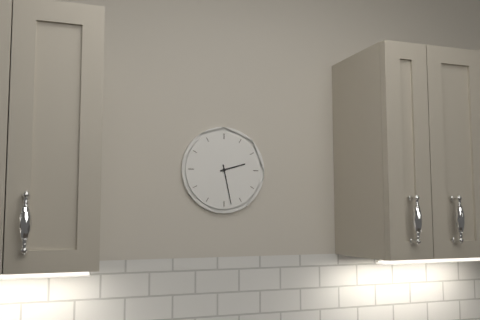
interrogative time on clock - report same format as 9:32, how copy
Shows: 2:28
